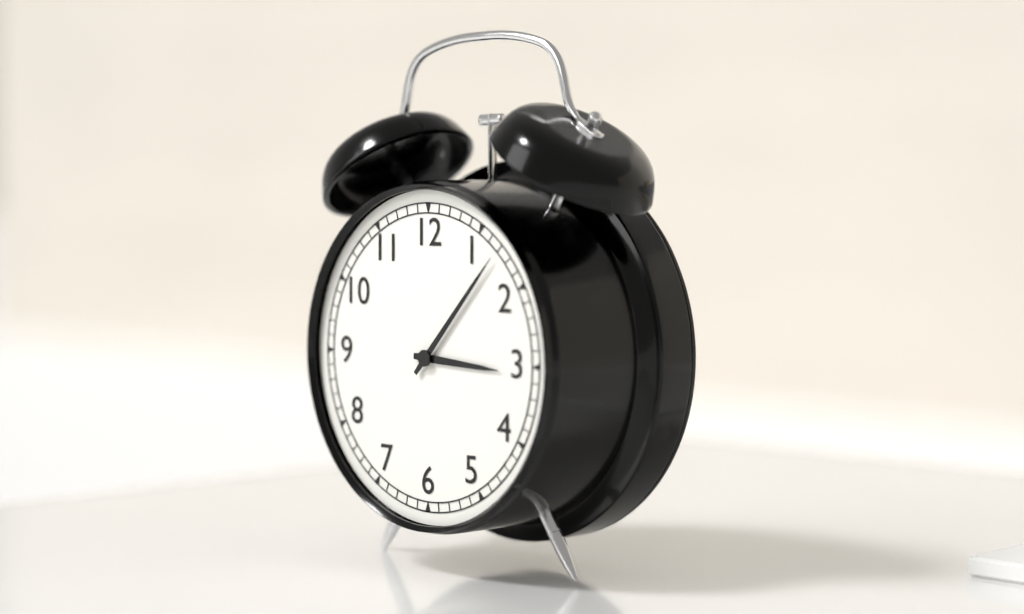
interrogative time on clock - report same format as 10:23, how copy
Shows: 3:07
